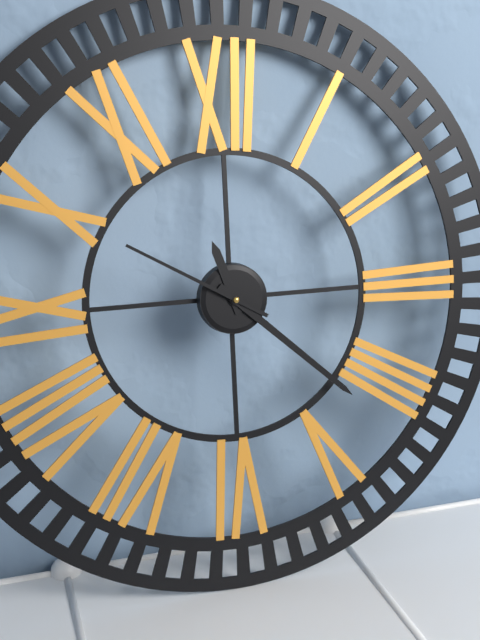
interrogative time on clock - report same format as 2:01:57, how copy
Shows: 11:22:50
